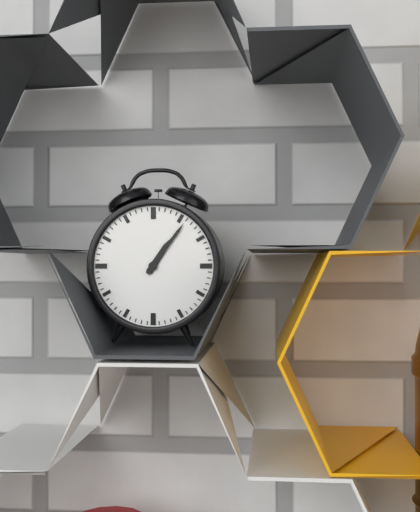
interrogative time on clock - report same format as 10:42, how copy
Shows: 1:06
